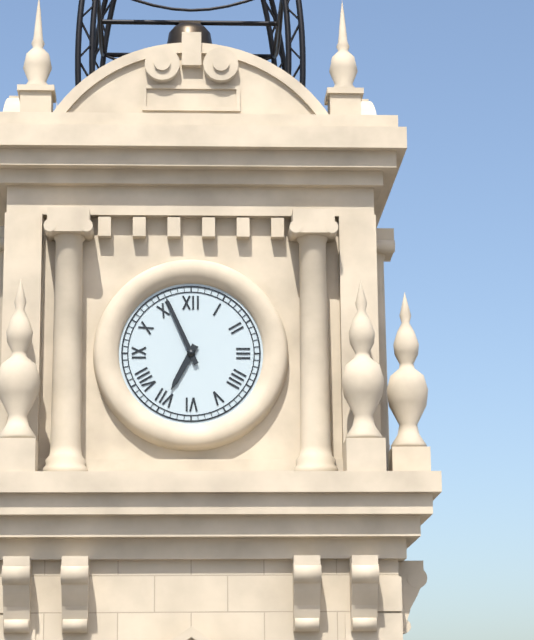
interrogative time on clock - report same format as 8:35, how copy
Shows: 6:56
